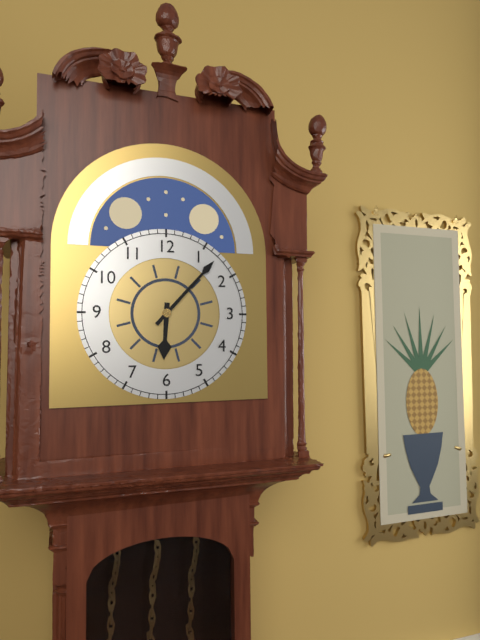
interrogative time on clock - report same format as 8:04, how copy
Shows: 6:07
